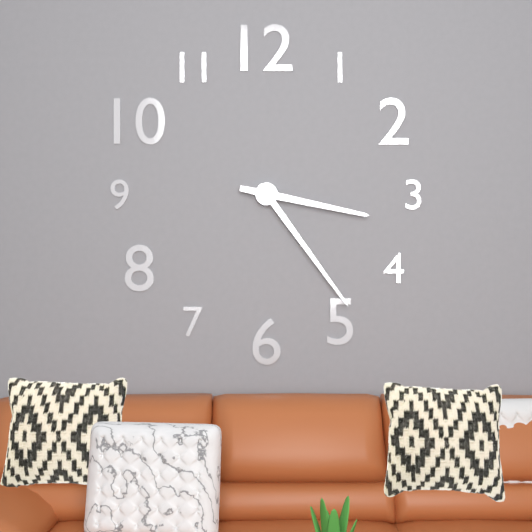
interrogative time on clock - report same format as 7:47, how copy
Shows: 3:24
